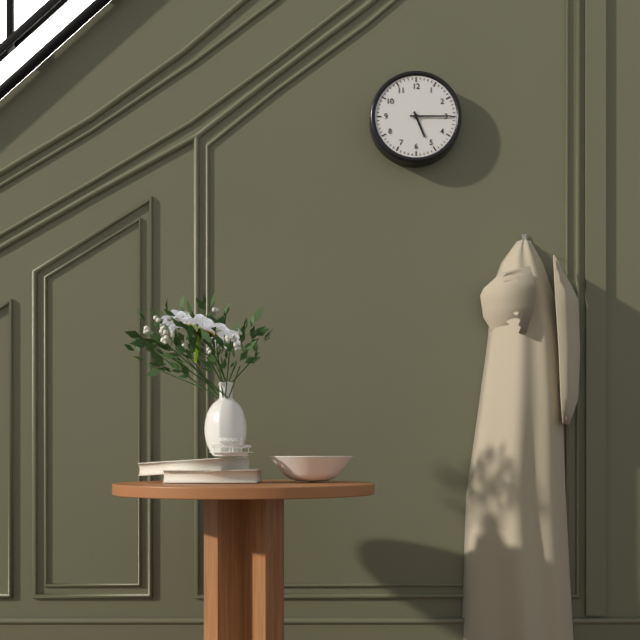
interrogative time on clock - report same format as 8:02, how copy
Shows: 5:15
